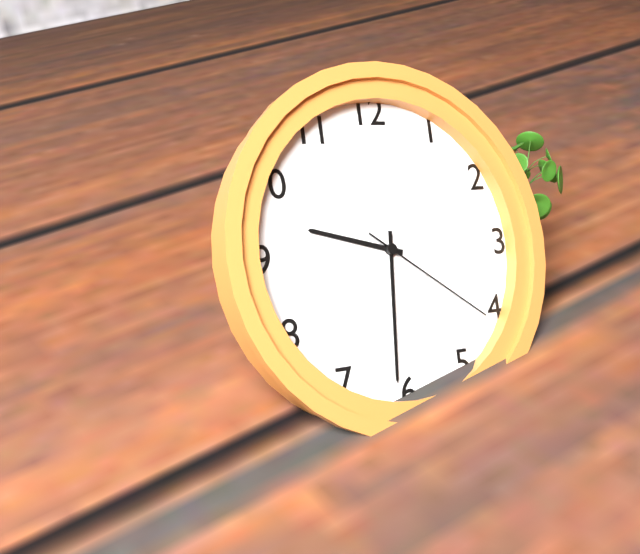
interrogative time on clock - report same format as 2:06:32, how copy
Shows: 9:31:21
